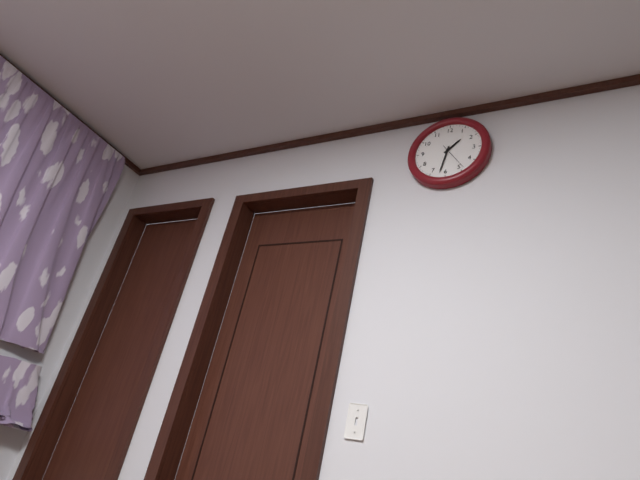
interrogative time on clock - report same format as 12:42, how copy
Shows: 1:32
